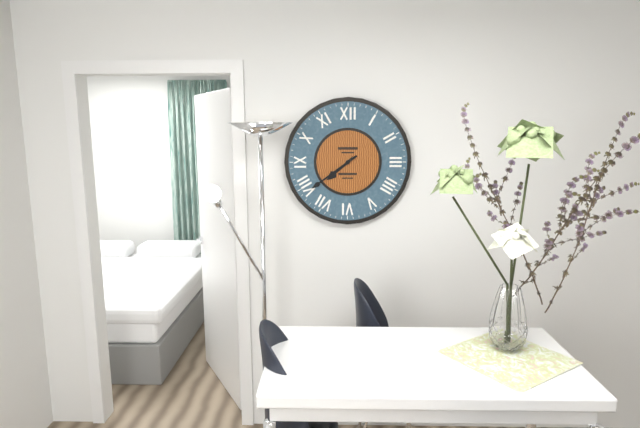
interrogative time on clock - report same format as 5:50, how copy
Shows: 7:39
